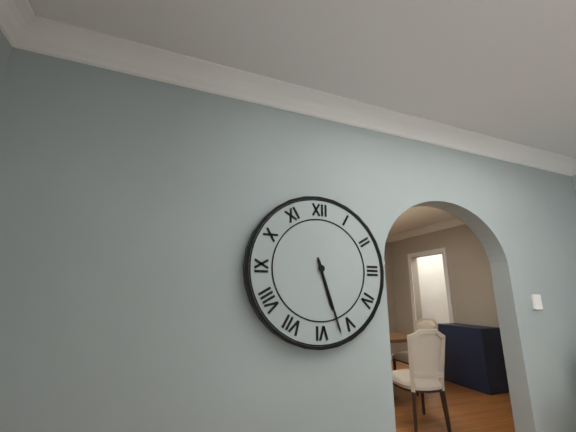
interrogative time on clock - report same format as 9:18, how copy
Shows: 5:27
